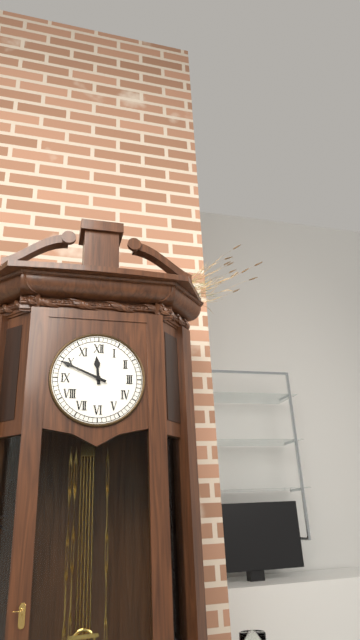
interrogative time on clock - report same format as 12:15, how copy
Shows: 11:49
